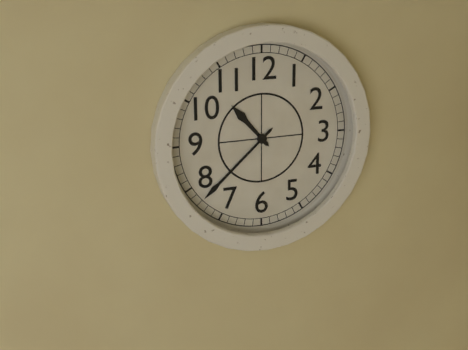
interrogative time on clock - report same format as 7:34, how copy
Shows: 10:38
